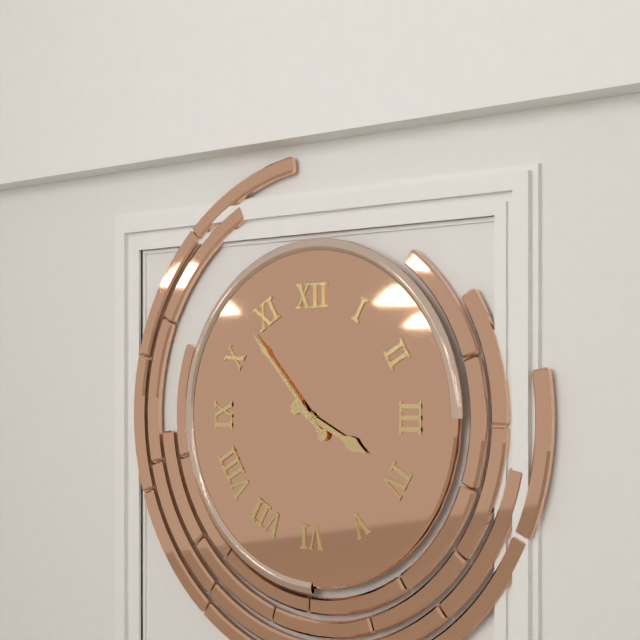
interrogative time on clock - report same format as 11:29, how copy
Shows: 3:53
